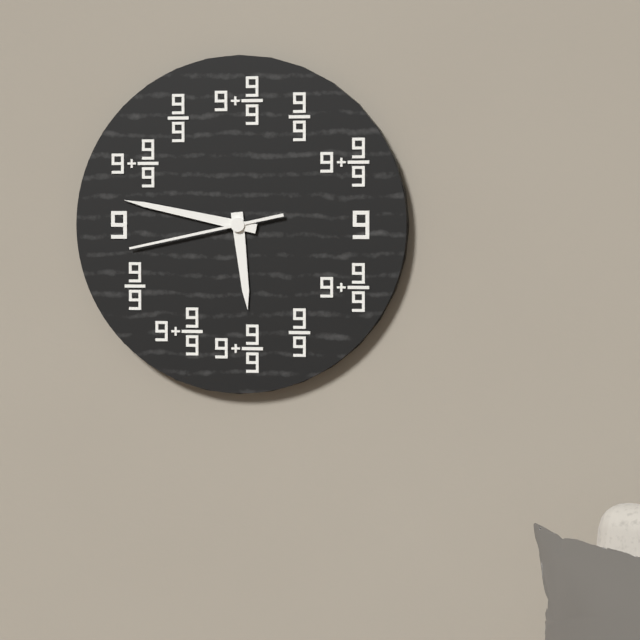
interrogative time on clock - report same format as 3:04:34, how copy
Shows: 5:47:43
